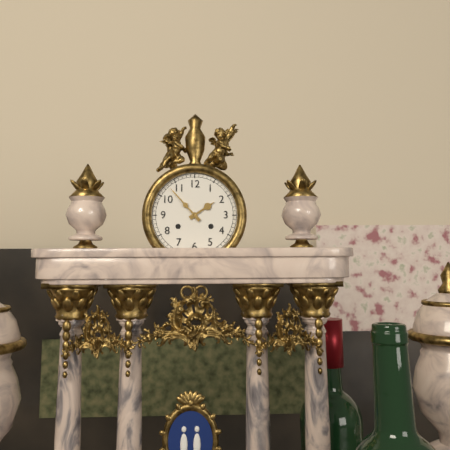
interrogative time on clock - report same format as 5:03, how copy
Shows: 1:53
